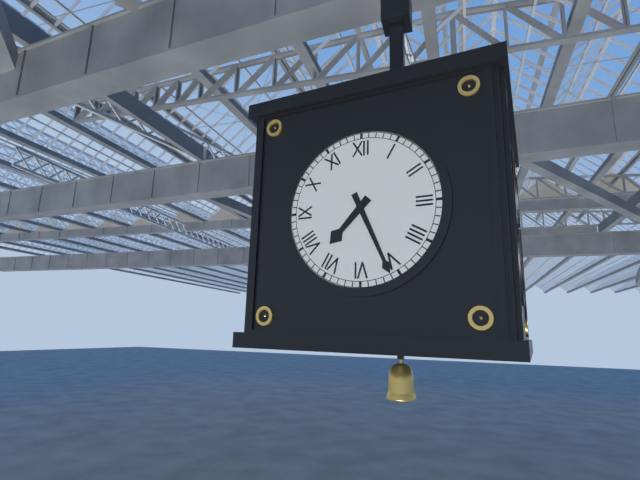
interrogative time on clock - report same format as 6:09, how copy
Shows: 7:26
